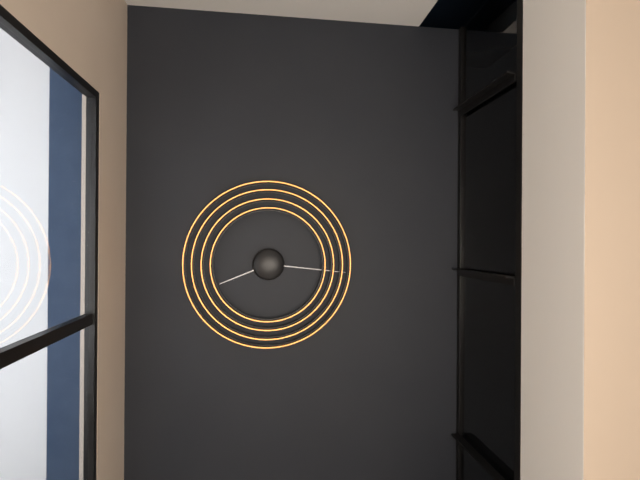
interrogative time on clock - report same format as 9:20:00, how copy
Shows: 8:16:16
